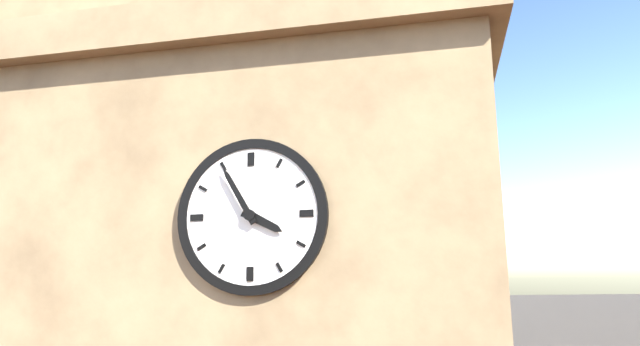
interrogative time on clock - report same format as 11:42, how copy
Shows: 3:55
